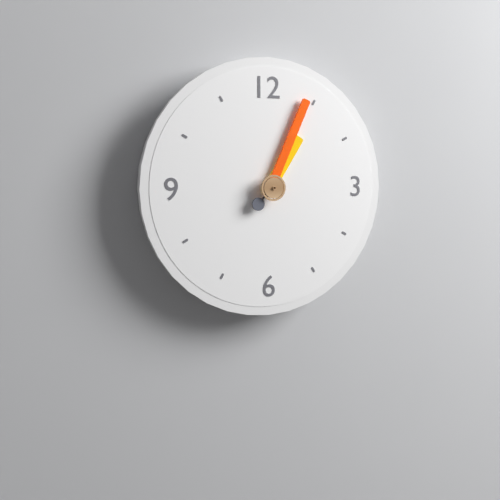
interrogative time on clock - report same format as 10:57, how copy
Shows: 1:04
